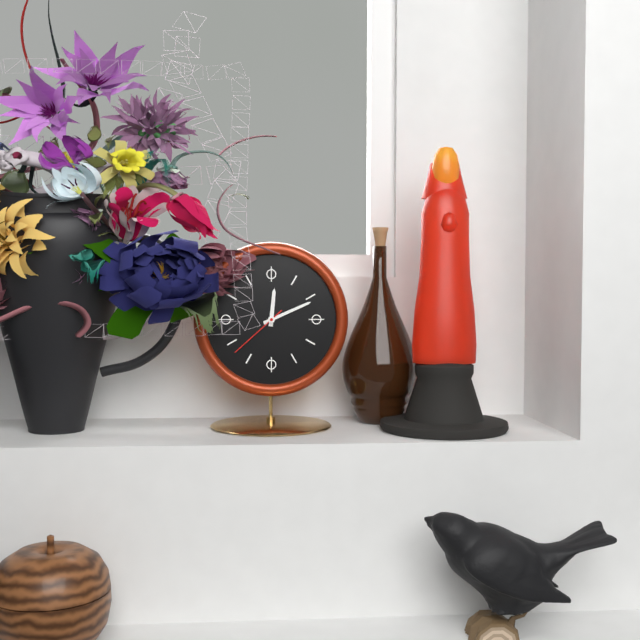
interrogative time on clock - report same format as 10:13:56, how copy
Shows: 12:11:38
